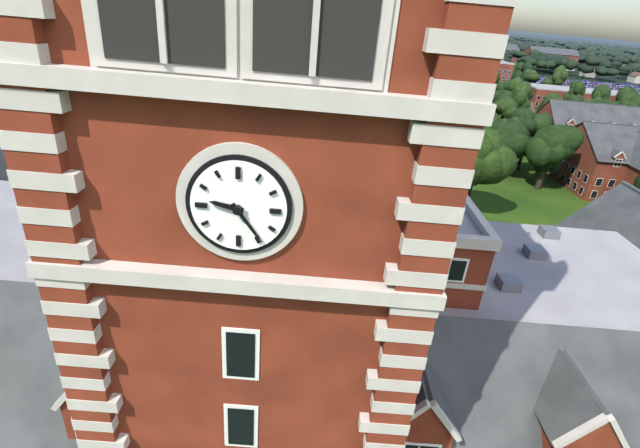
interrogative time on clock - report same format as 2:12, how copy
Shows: 9:24
